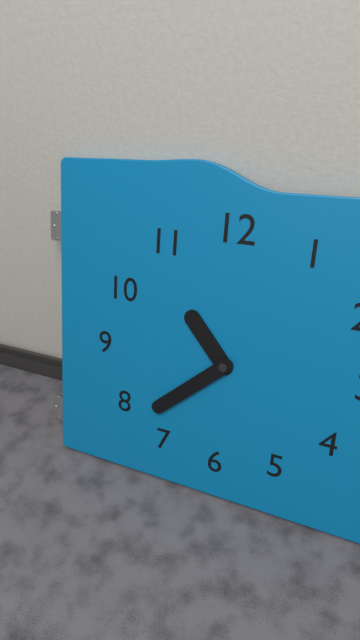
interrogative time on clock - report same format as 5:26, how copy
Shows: 10:38
